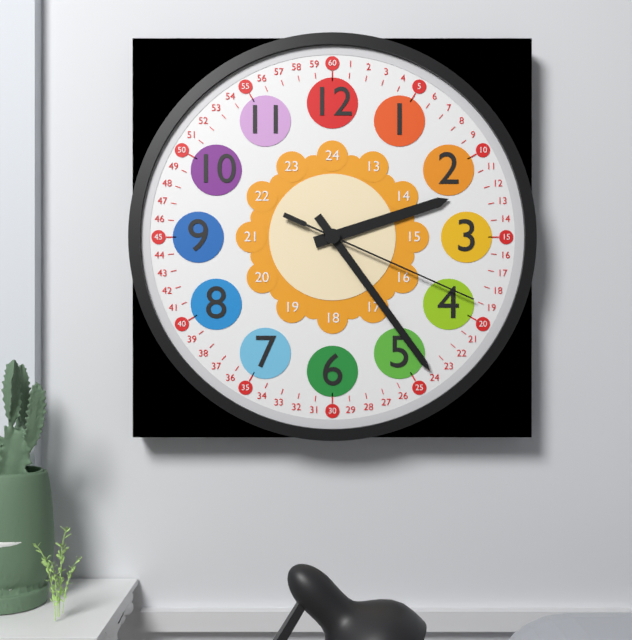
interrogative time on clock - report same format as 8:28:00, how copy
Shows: 2:24:19
